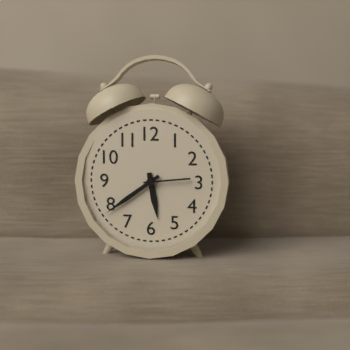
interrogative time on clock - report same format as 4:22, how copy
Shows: 5:39
